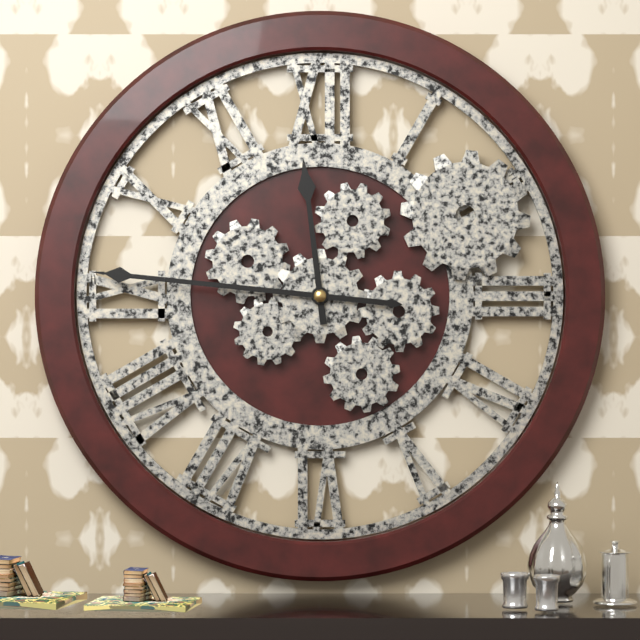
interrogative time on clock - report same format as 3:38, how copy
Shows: 11:46
